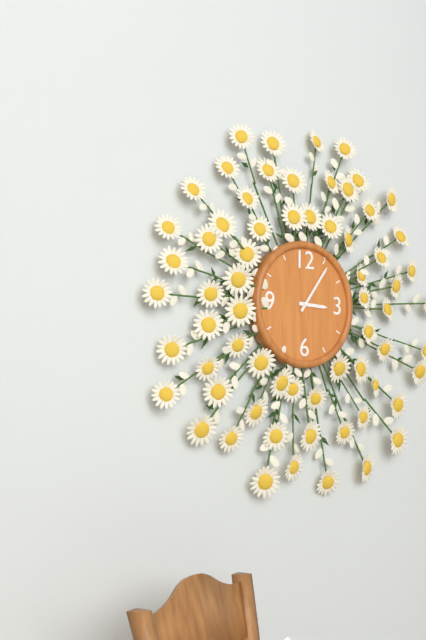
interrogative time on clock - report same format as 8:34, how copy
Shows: 3:06
